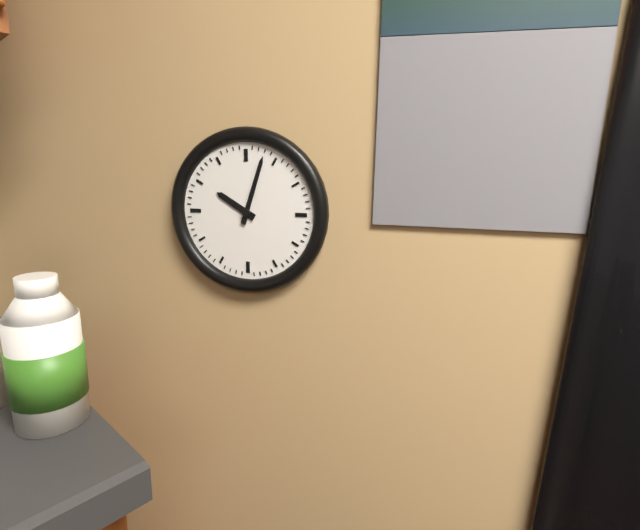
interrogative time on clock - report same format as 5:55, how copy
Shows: 10:03
